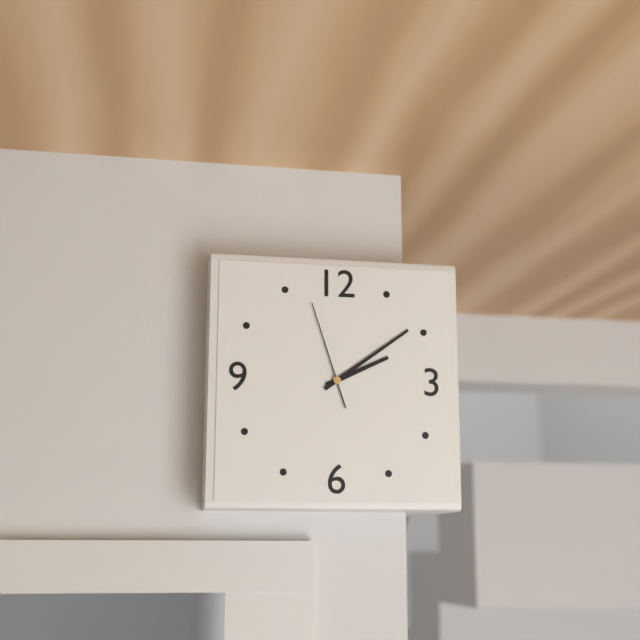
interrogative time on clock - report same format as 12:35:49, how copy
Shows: 2:09:57
